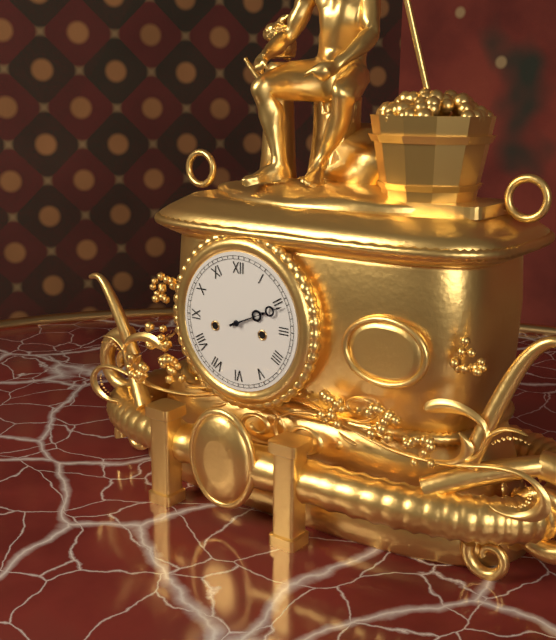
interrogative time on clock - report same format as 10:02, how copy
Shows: 2:11
